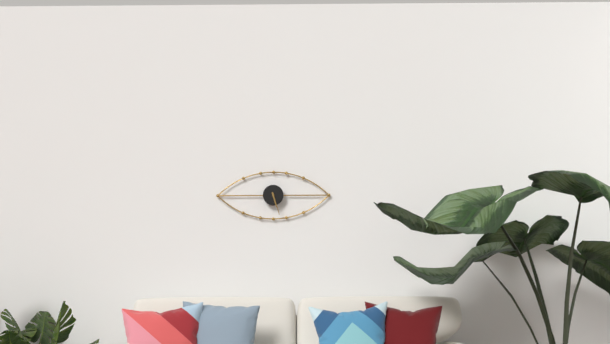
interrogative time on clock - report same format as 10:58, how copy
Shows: 5:27
